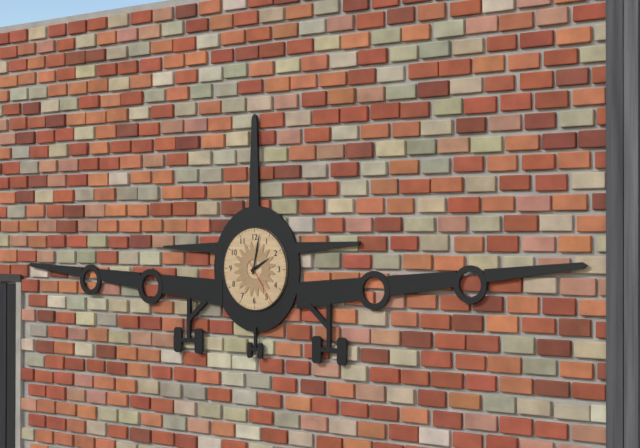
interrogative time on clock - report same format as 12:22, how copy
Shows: 2:02
